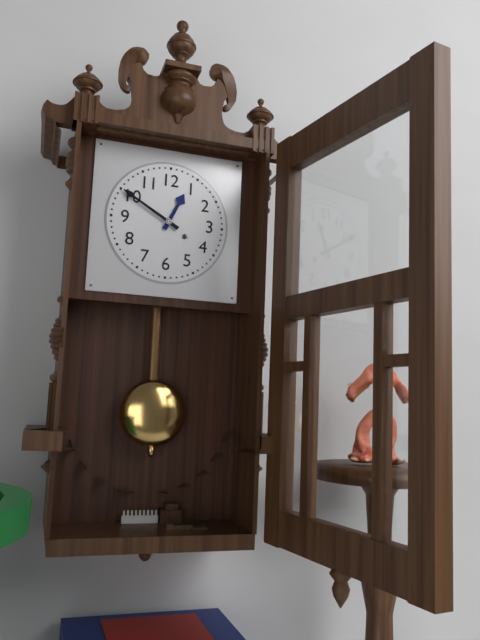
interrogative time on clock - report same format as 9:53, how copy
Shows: 12:50
